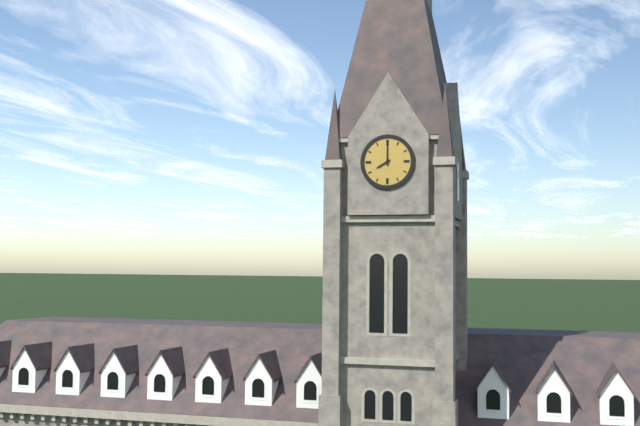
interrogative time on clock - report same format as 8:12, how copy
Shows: 8:00
